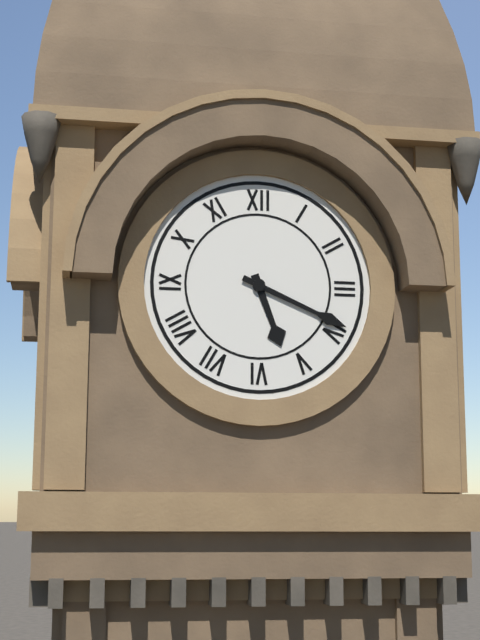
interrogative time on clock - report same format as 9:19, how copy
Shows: 5:19
